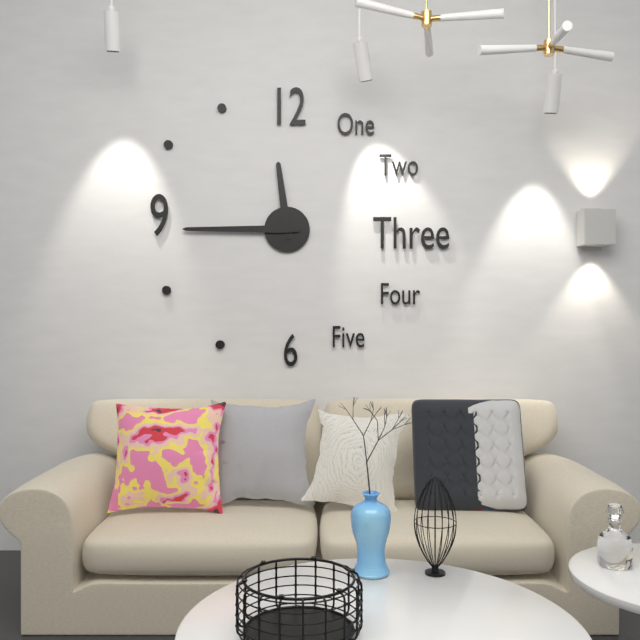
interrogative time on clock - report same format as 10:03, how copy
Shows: 11:45
